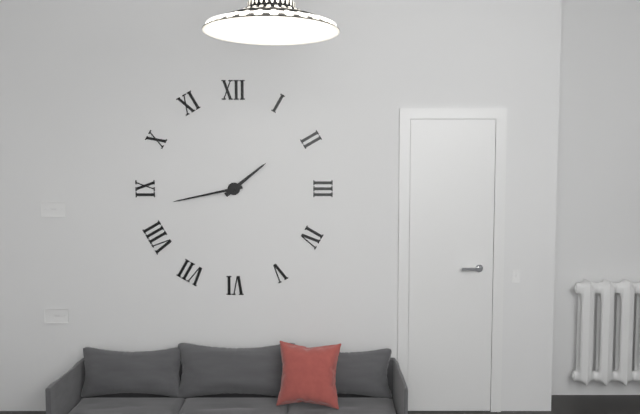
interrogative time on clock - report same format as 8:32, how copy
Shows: 1:43
